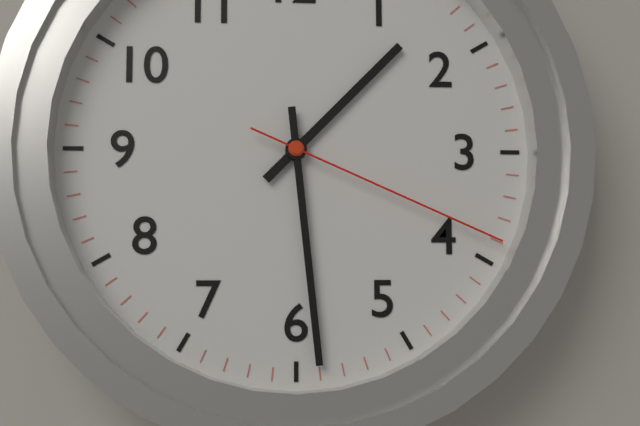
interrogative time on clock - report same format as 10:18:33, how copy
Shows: 1:29:19
